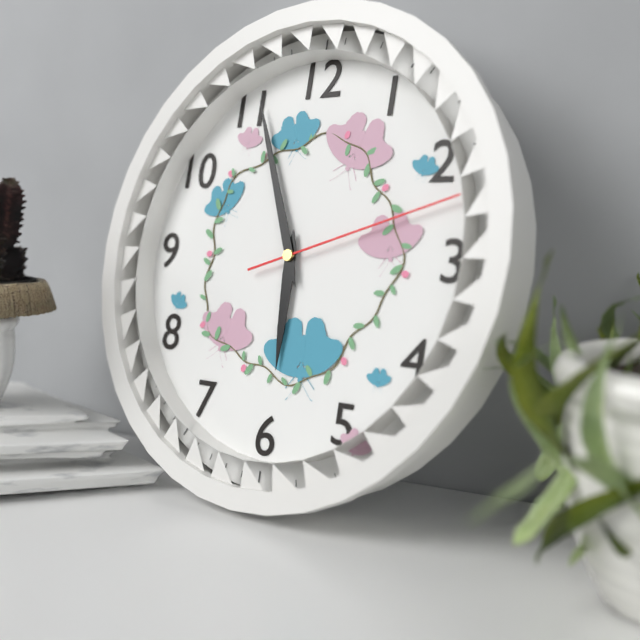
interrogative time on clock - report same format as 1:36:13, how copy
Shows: 5:56:12
